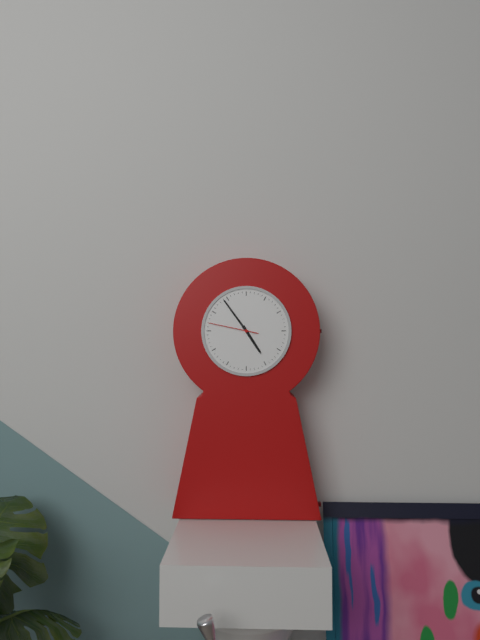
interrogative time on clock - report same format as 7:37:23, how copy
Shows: 4:54:47
